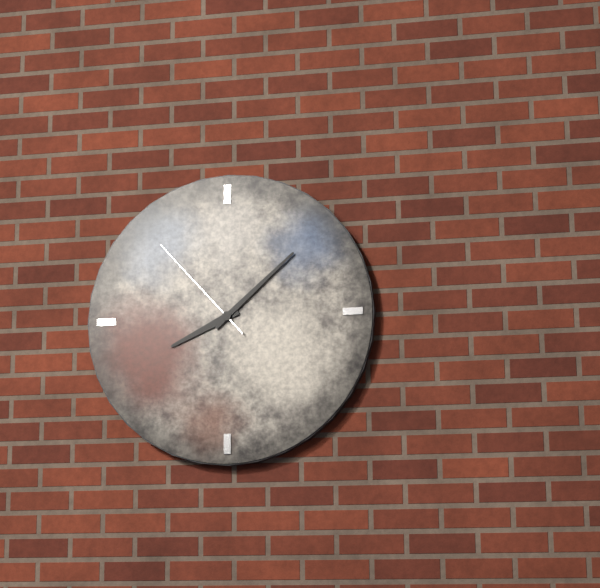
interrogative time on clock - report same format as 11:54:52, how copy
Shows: 8:08:53
